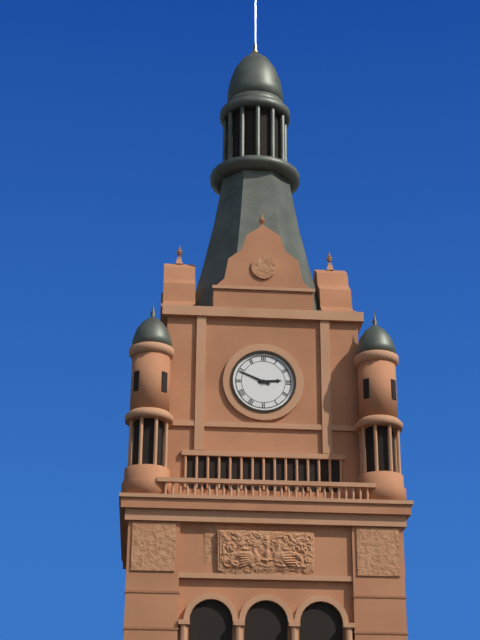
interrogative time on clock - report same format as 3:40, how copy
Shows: 2:49
